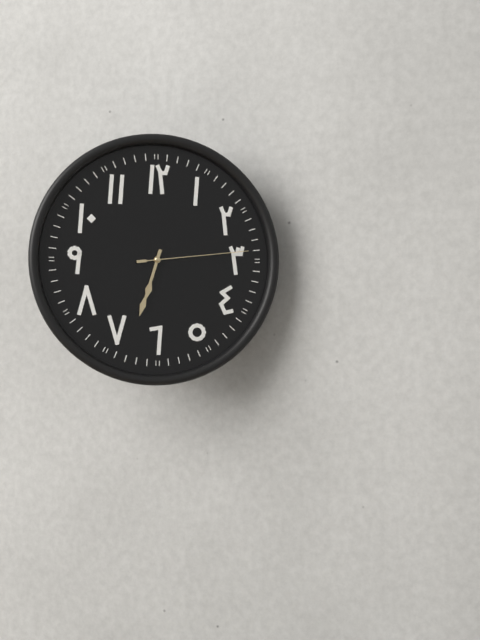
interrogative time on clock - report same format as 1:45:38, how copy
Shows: 6:33:14
